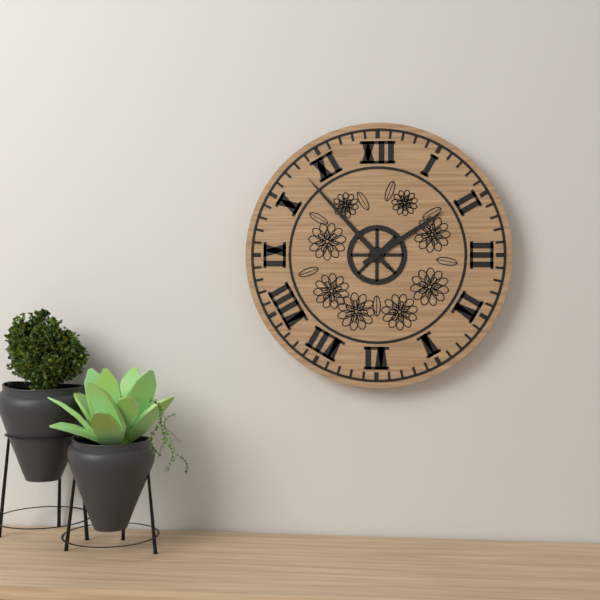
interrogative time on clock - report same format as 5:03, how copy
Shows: 1:53
